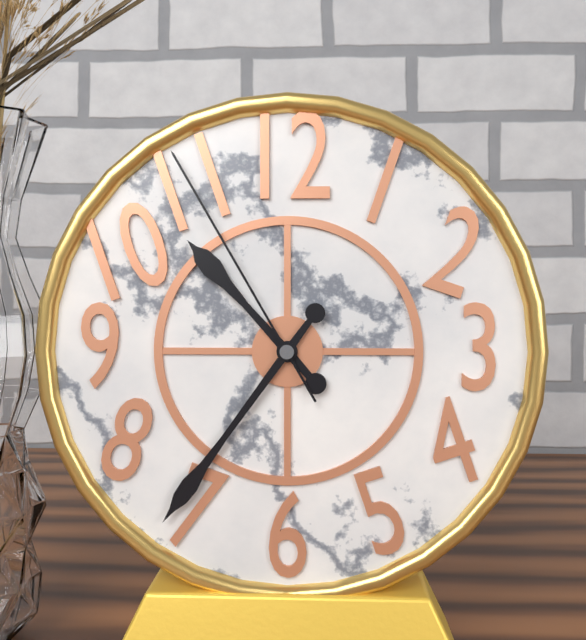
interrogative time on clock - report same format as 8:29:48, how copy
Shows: 10:36:55
